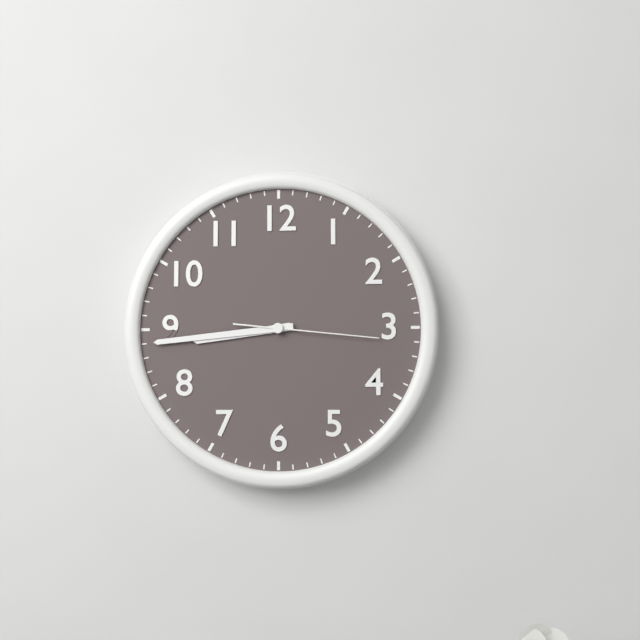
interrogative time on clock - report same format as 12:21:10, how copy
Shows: 8:44:16
